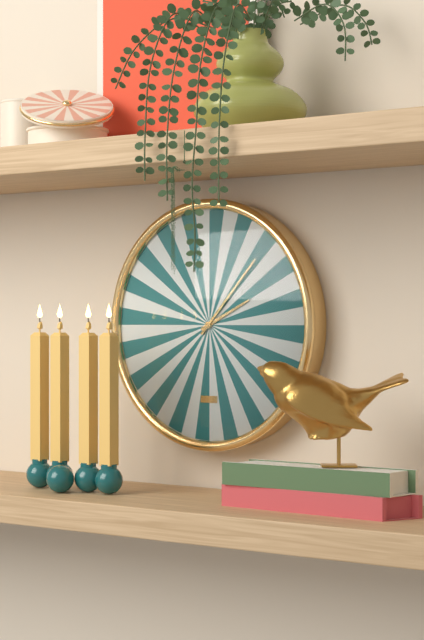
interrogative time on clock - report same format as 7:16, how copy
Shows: 2:07
